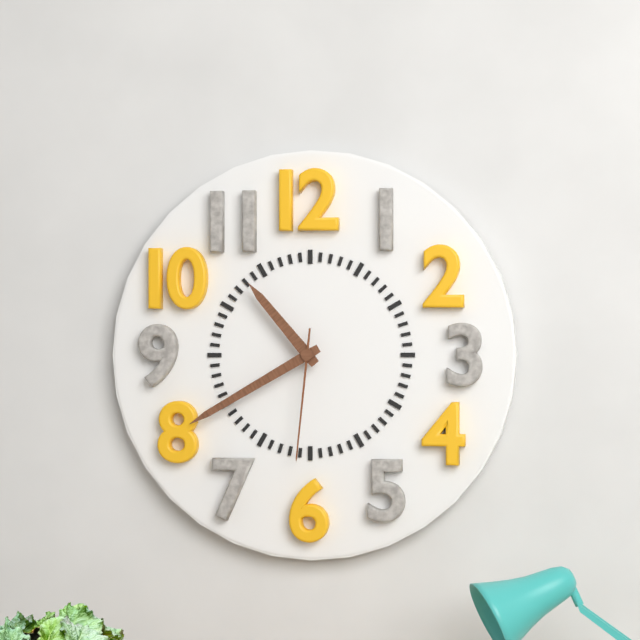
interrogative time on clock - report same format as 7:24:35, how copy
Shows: 10:40:31
